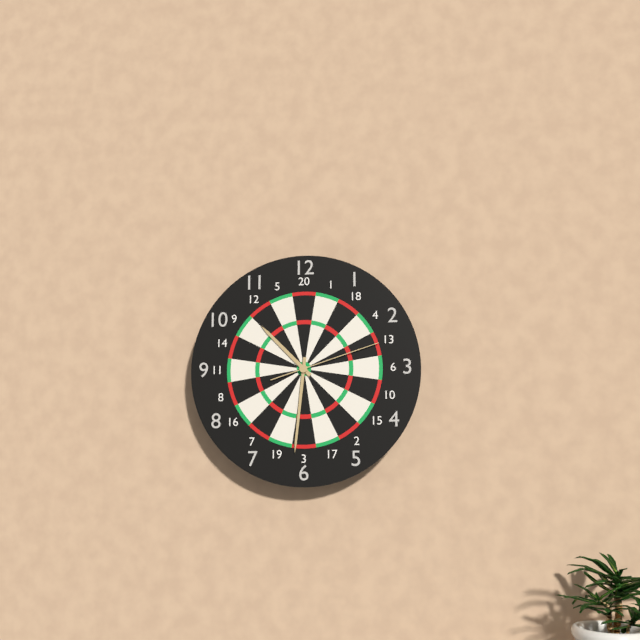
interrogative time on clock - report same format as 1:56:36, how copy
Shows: 10:31:12
